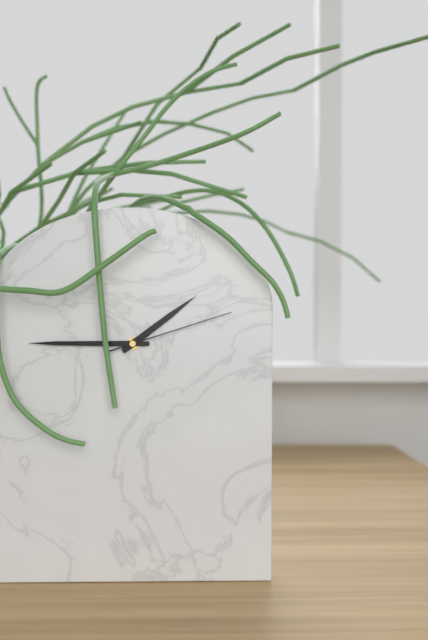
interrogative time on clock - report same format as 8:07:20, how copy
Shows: 1:45:12
